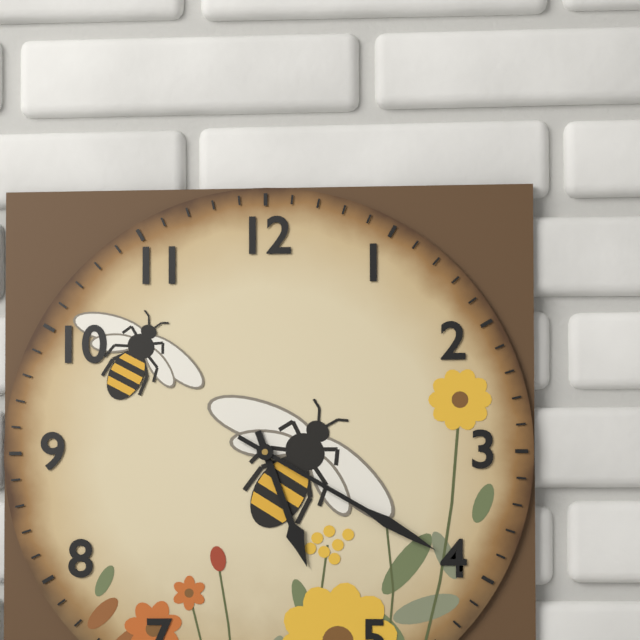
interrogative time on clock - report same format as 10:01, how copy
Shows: 5:20
